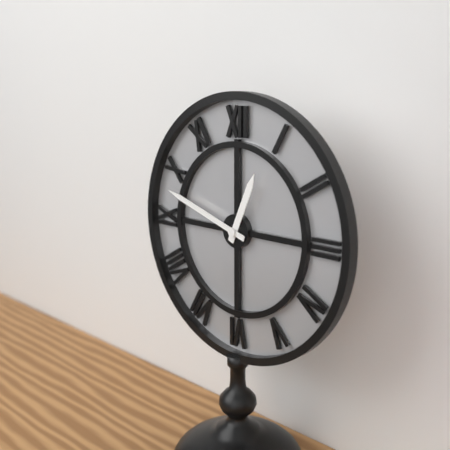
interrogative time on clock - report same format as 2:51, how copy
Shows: 12:48
